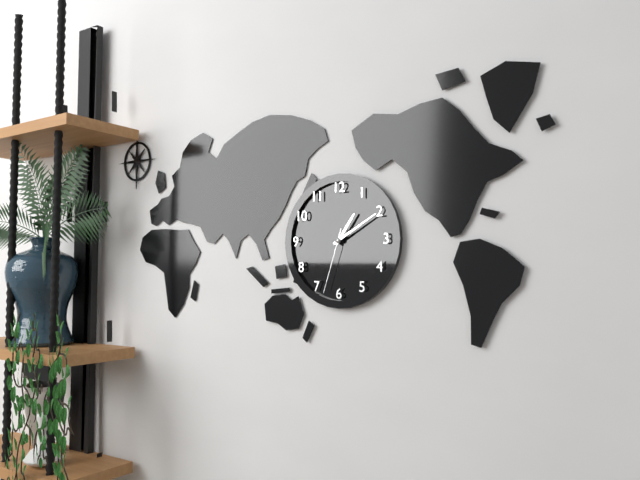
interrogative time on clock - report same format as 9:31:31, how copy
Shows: 1:10:33
